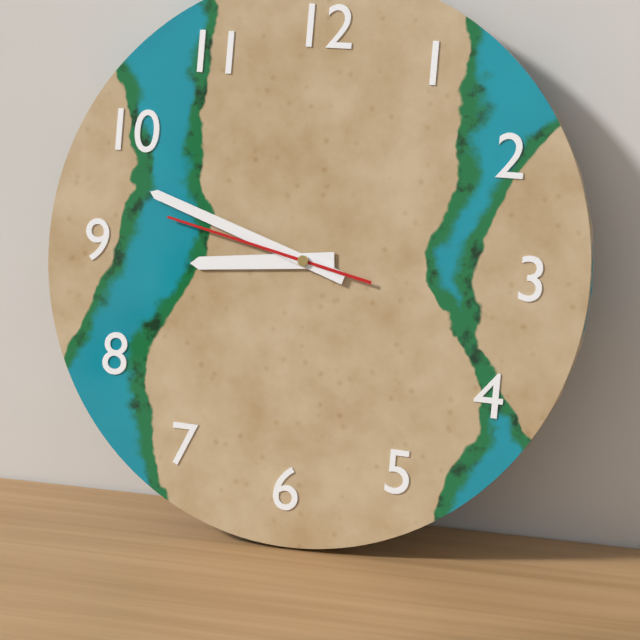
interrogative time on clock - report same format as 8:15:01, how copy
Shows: 8:48:47
